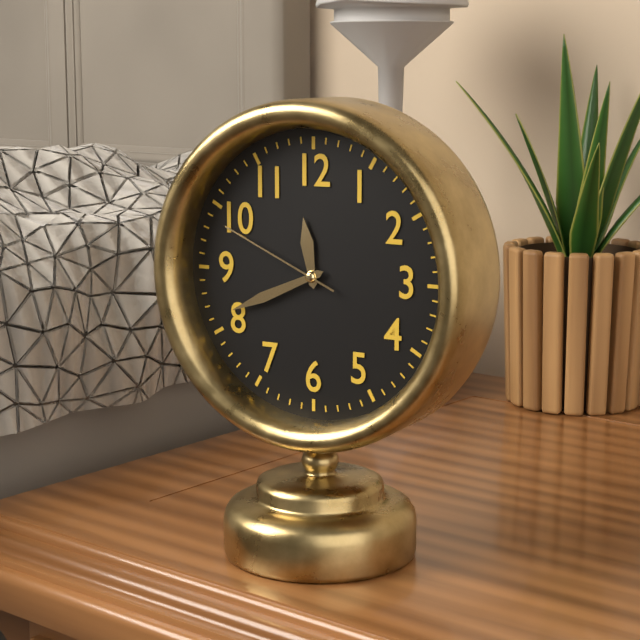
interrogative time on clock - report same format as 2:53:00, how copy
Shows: 11:41:49
